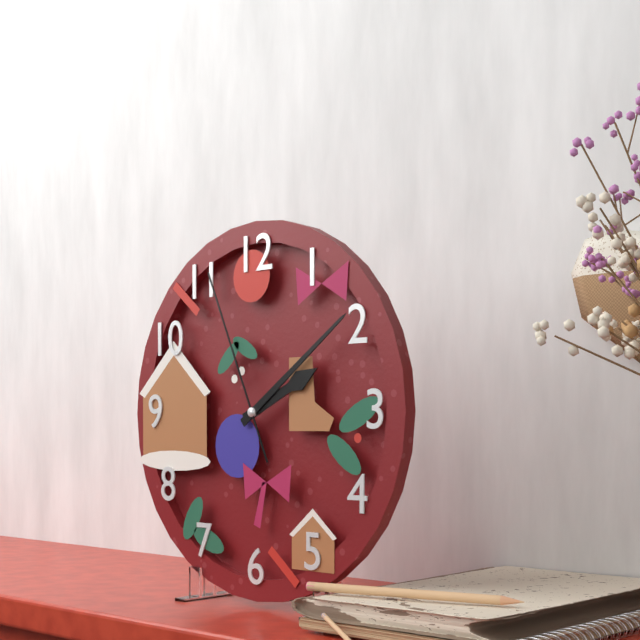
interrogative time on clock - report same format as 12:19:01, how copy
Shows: 2:09:56
